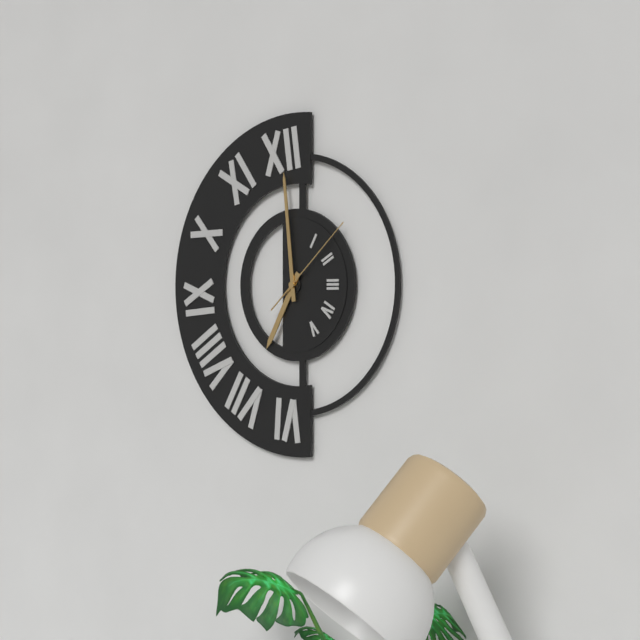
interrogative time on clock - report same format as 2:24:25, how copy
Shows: 6:59:08
